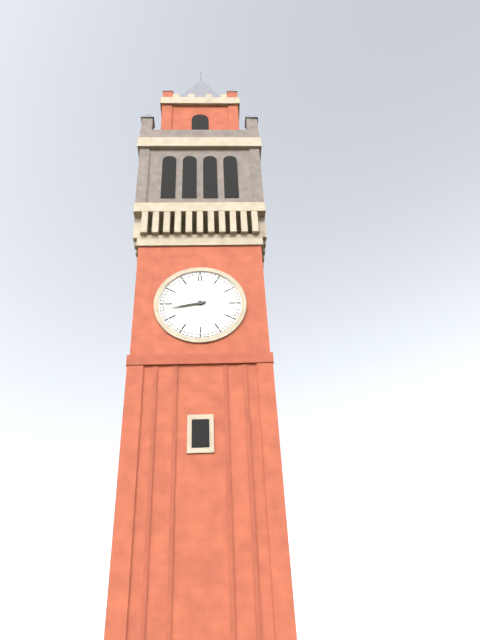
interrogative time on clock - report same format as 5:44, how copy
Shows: 8:43
